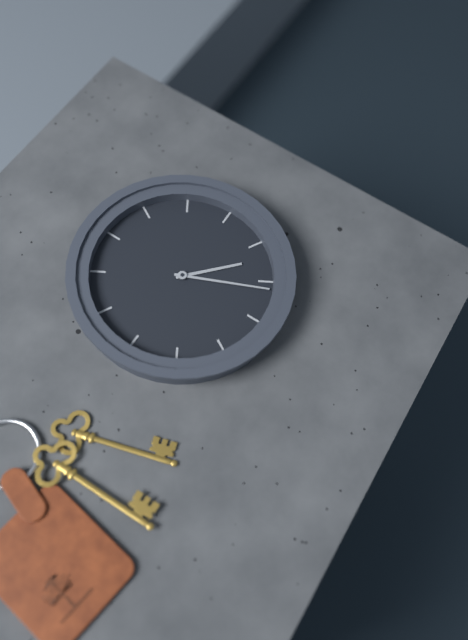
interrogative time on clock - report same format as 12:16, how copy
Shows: 4:26
